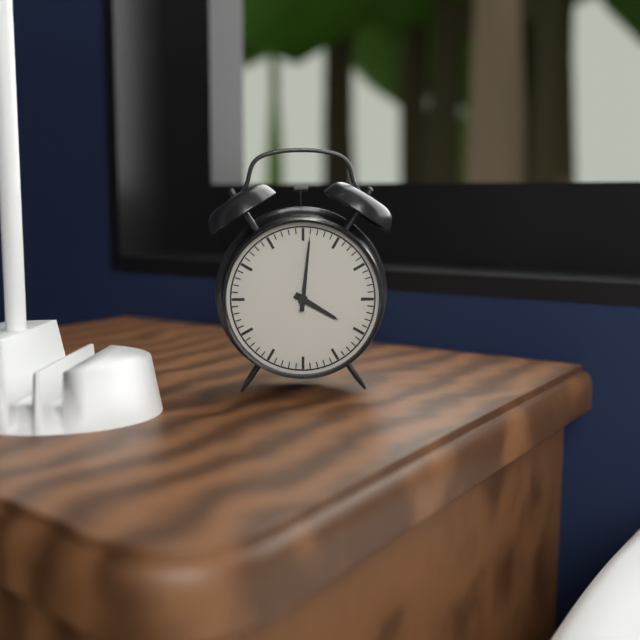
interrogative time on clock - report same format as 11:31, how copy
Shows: 4:01
